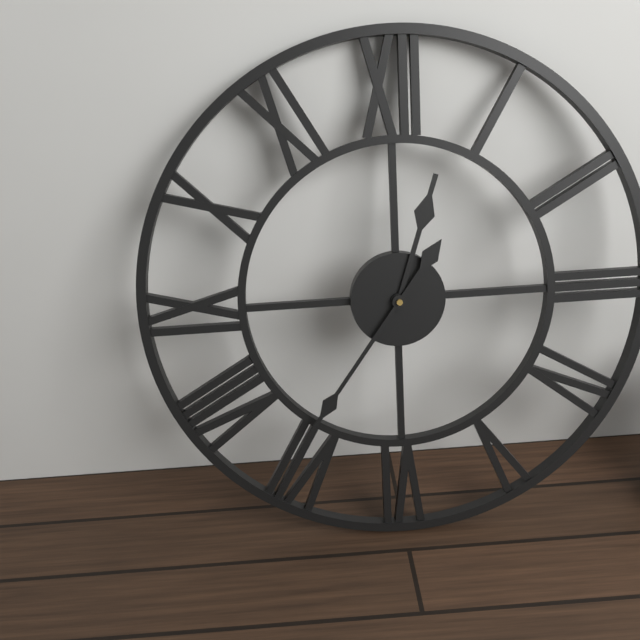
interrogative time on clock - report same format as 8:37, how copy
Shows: 12:36
